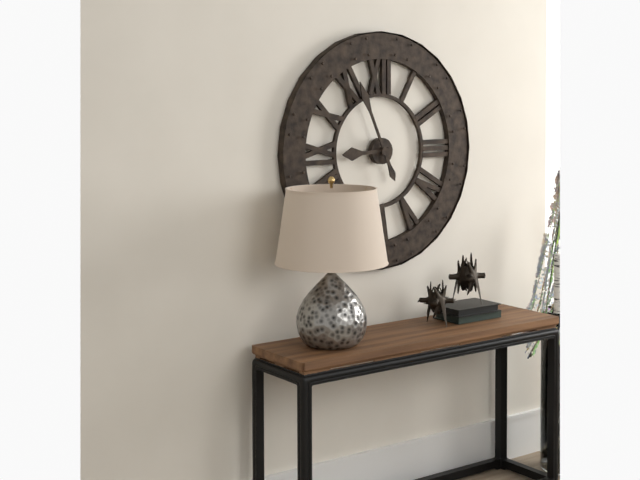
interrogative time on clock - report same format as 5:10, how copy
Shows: 8:56
